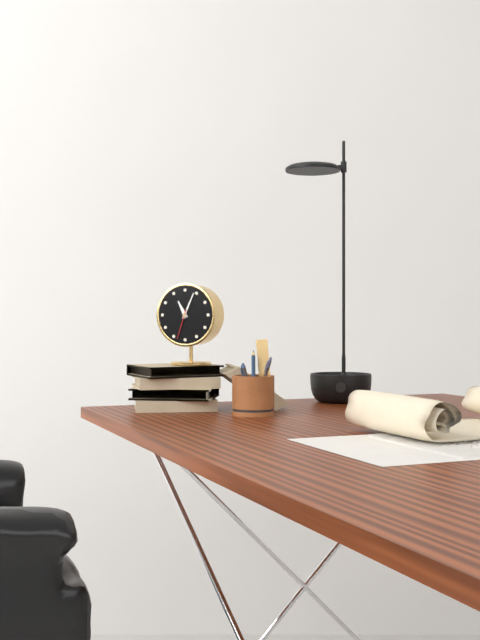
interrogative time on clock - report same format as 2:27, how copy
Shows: 11:04
